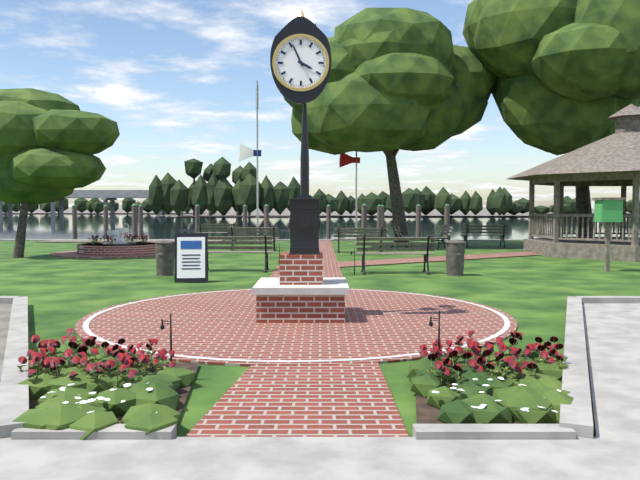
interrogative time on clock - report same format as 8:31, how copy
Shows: 3:56
